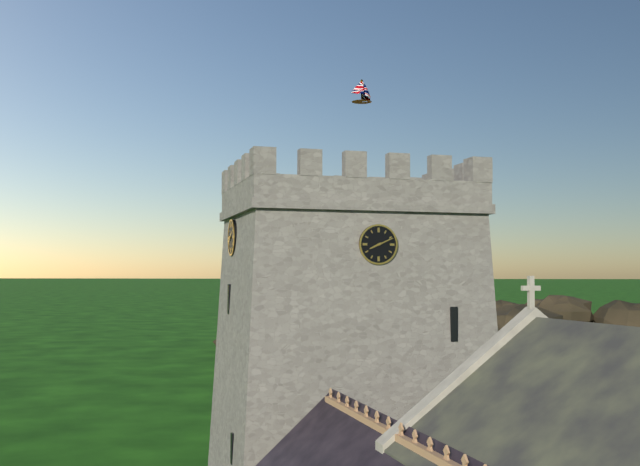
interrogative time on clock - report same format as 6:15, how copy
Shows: 8:11
